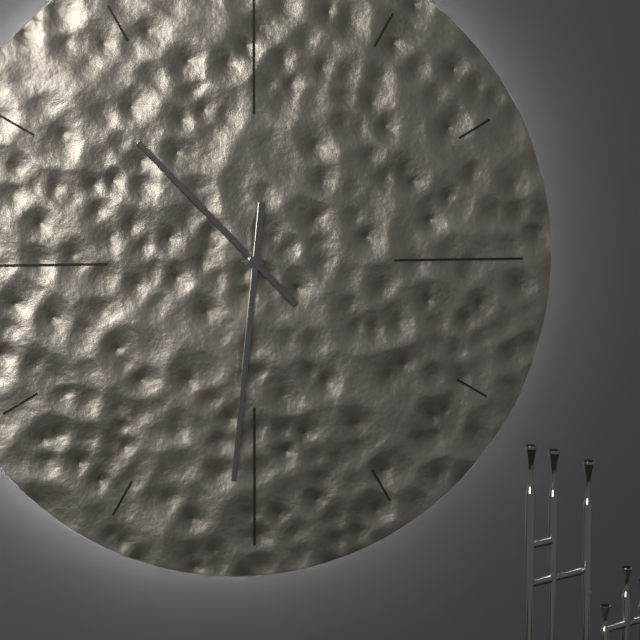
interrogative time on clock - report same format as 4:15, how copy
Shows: 10:31
